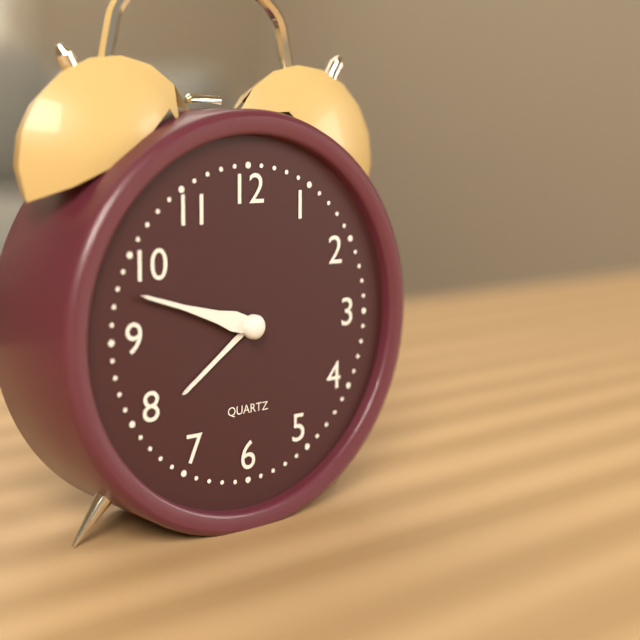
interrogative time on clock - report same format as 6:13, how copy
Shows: 7:48
